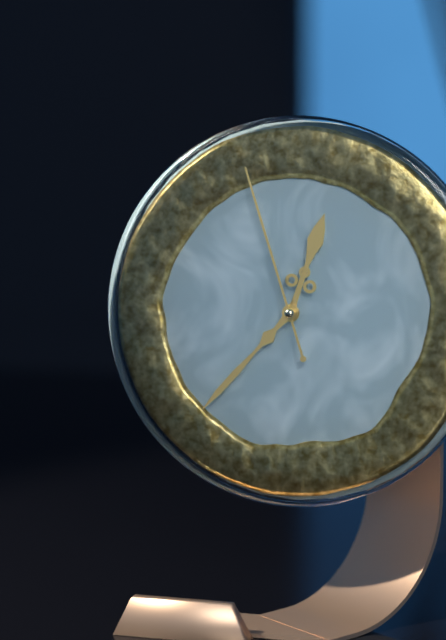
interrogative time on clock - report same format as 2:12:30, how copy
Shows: 12:37:57
